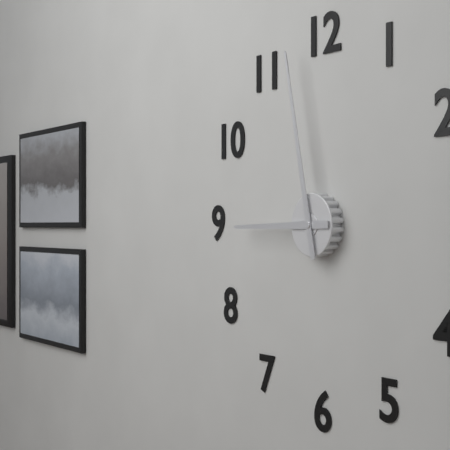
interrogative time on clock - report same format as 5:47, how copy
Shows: 8:58
